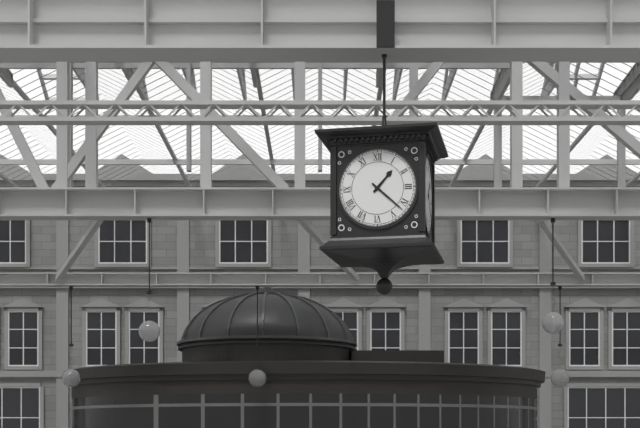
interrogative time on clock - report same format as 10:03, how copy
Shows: 1:22
